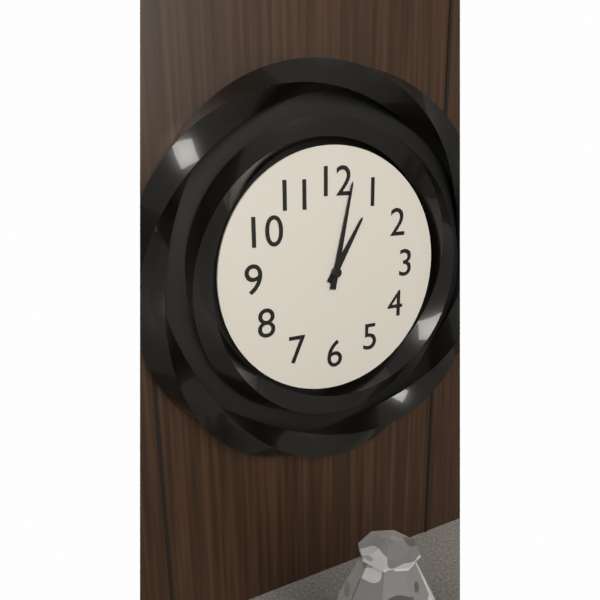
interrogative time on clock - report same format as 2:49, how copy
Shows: 1:02
